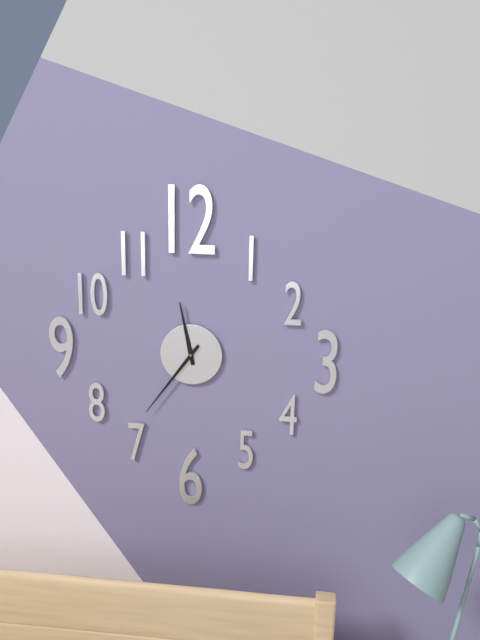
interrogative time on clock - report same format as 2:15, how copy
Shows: 11:36
